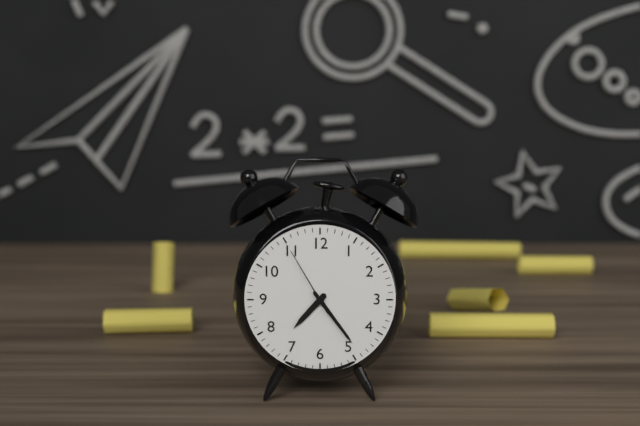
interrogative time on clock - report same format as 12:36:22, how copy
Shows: 7:24:55
